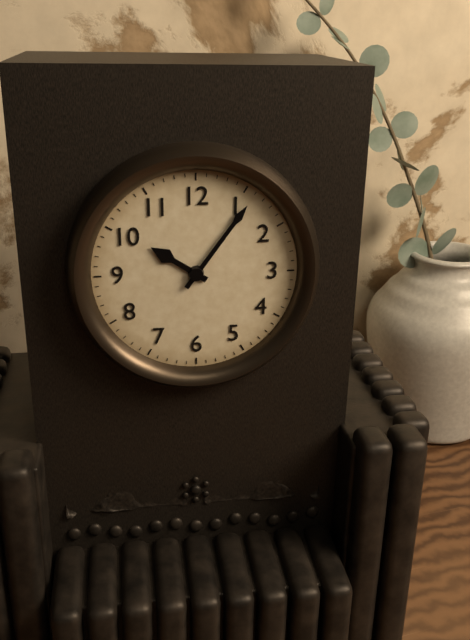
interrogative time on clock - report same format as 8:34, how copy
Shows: 10:06
